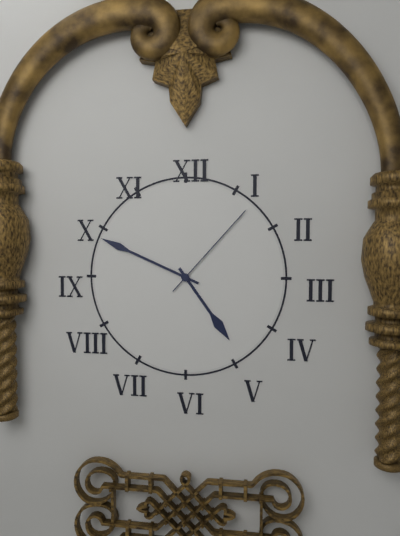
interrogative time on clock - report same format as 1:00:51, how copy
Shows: 4:49:07
